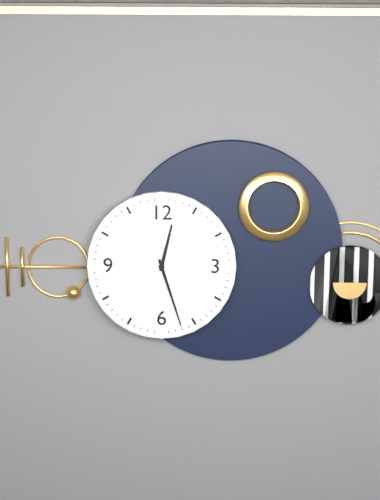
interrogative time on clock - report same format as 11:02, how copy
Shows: 12:27
